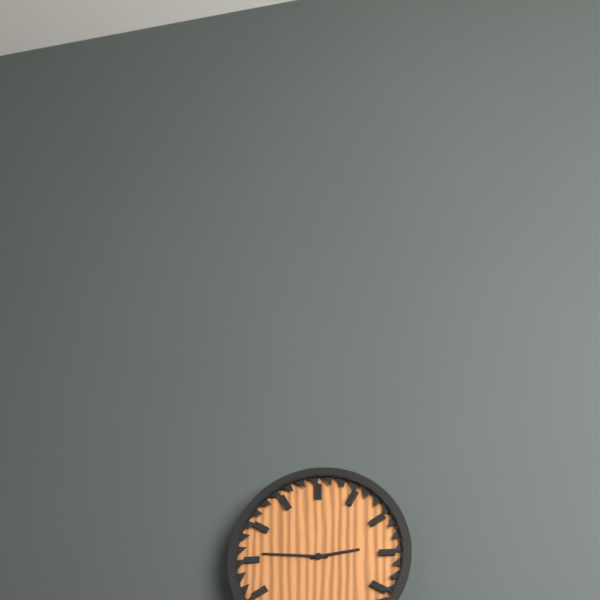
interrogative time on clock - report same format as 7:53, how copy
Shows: 2:46
